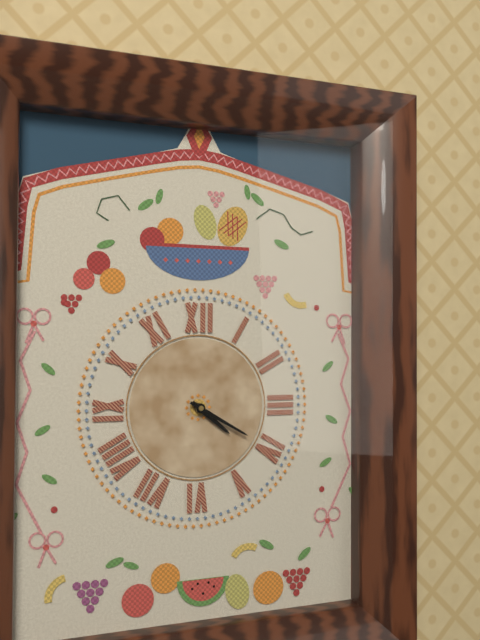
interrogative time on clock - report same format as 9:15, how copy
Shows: 4:20
